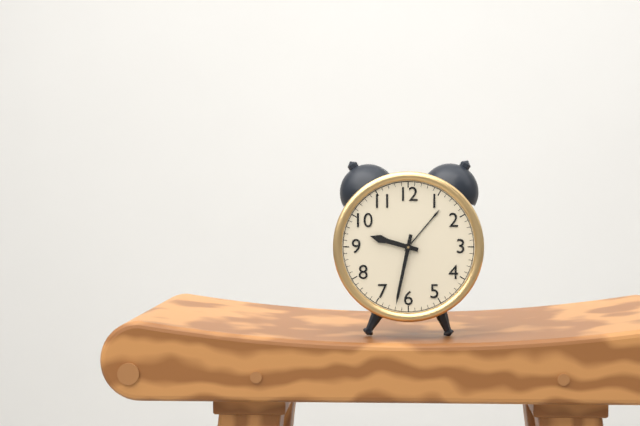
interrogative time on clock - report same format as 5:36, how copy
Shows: 9:32
